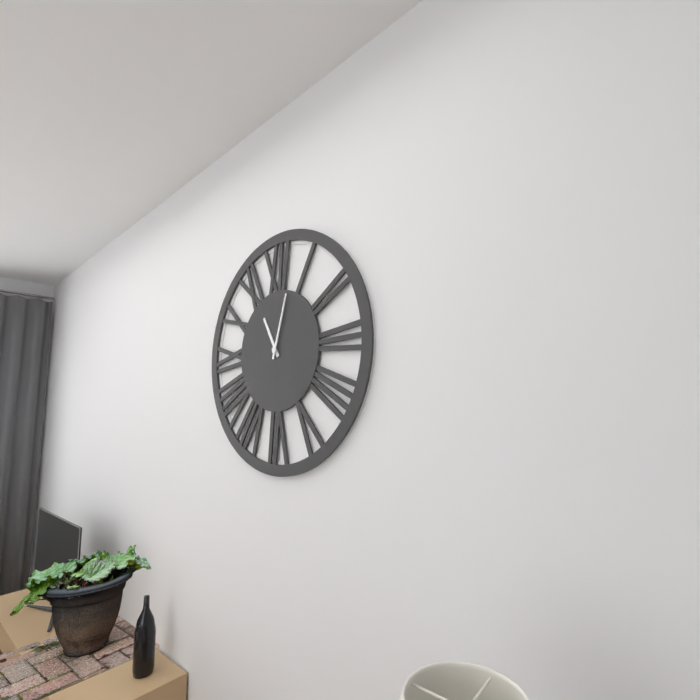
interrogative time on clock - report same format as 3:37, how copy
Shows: 11:03
